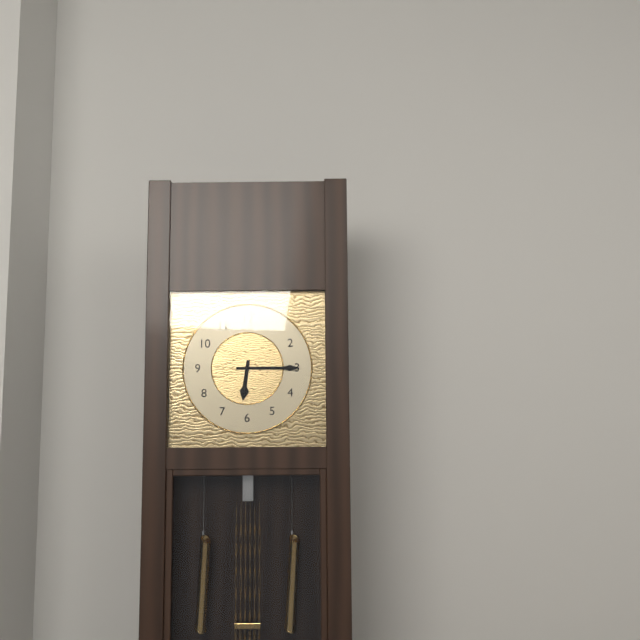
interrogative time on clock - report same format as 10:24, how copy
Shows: 6:15
